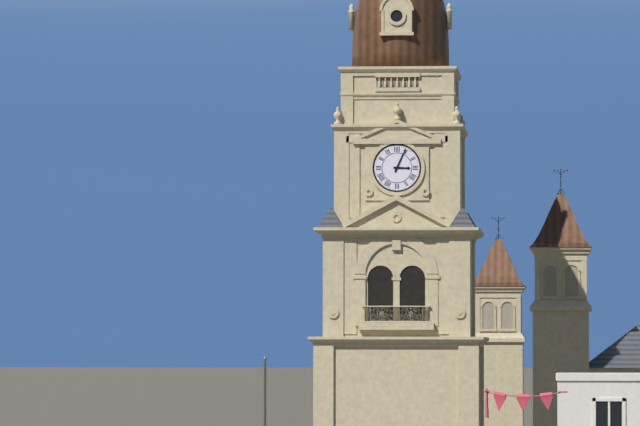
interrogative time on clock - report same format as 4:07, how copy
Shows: 3:04
